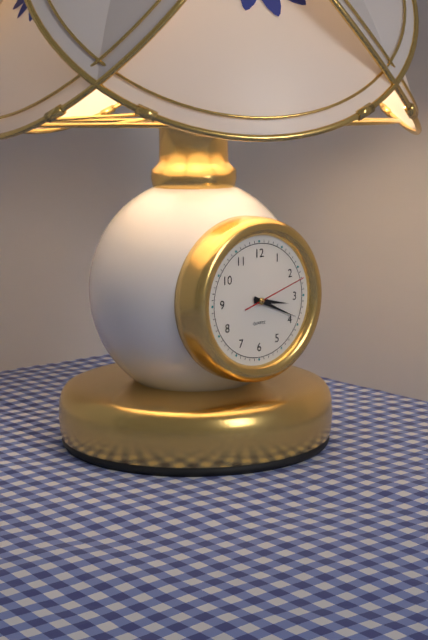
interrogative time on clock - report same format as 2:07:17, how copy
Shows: 3:19:12
